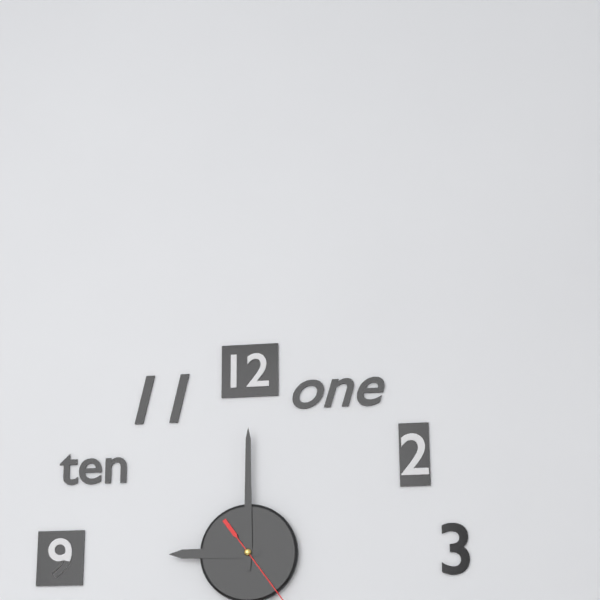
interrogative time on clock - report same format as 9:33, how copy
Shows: 9:00
